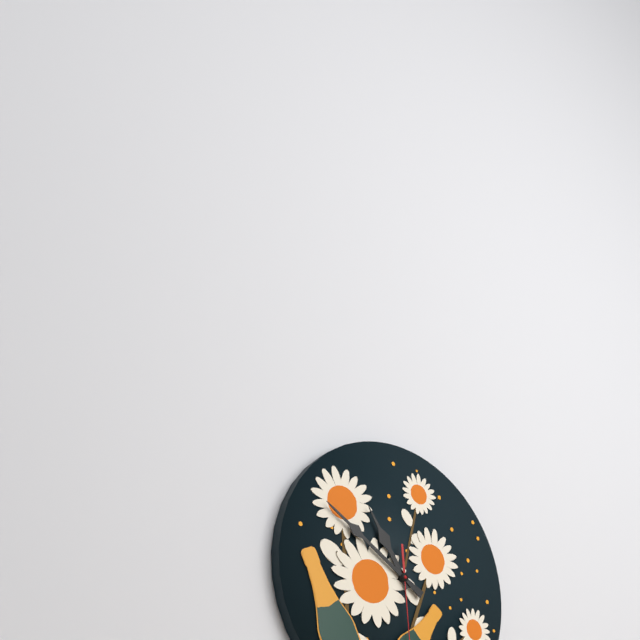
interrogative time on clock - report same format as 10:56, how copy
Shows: 10:50
